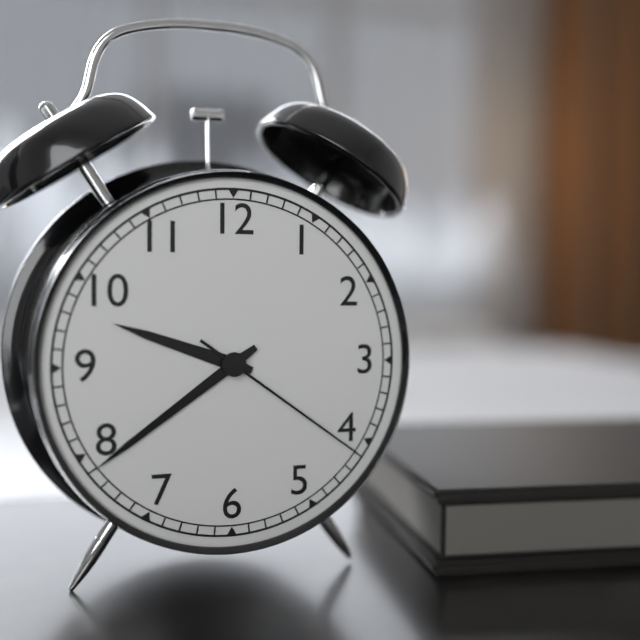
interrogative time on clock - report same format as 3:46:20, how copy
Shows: 9:39:21
